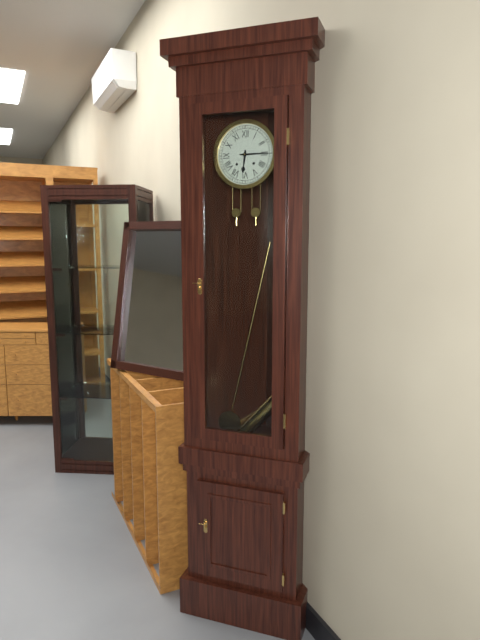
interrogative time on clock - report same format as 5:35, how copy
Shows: 6:15
